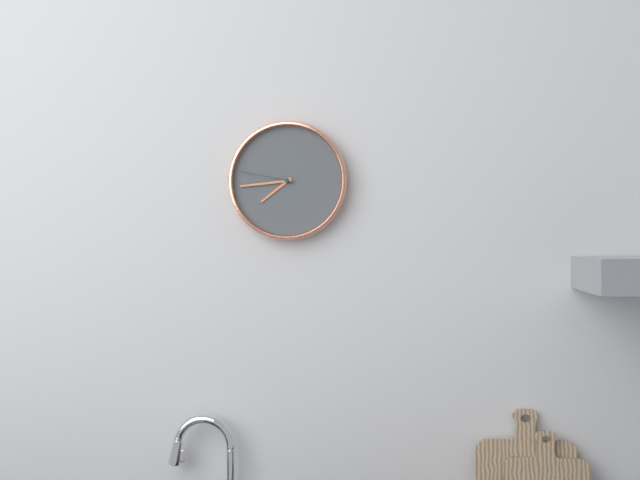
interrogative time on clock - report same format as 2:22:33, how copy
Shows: 7:44:47
